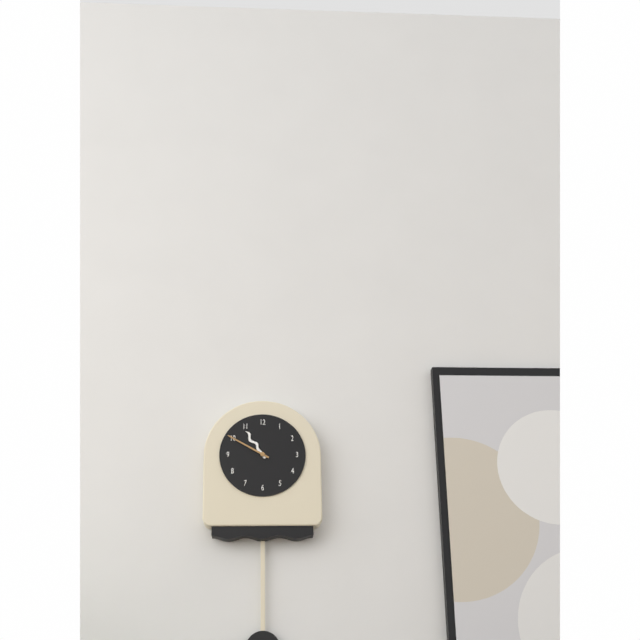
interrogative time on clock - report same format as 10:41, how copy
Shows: 10:50
